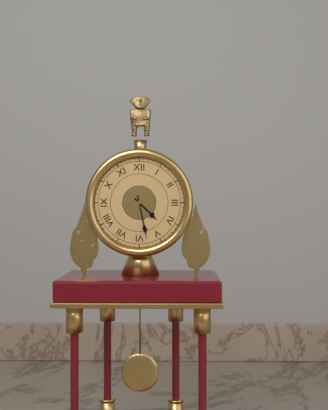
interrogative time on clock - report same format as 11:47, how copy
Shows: 4:28
